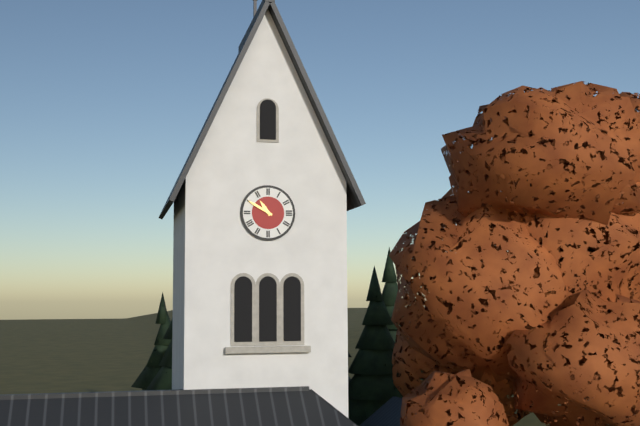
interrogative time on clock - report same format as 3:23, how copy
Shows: 10:50
